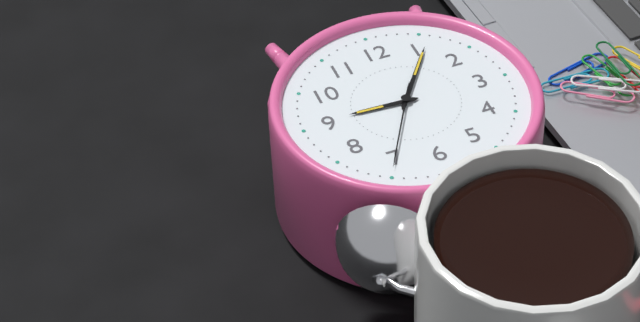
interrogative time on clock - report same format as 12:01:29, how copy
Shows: 9:06:35
